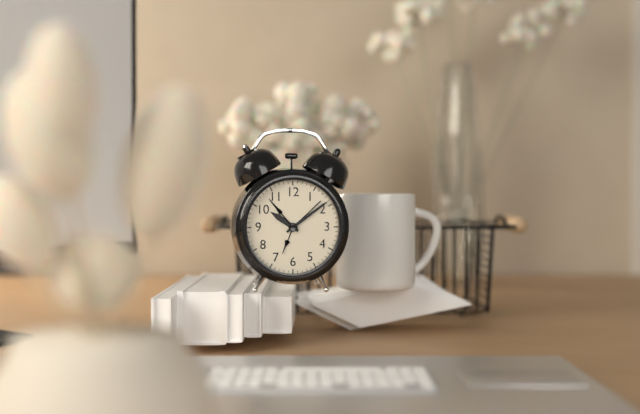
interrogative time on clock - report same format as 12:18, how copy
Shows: 10:09
